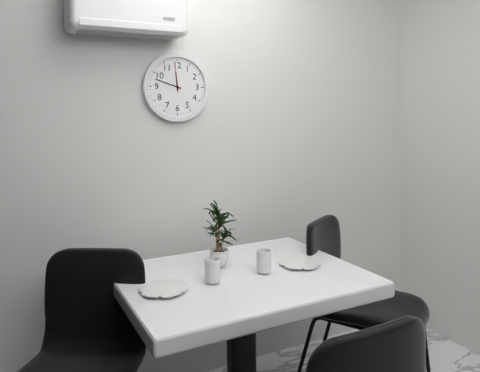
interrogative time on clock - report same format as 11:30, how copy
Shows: 11:48
